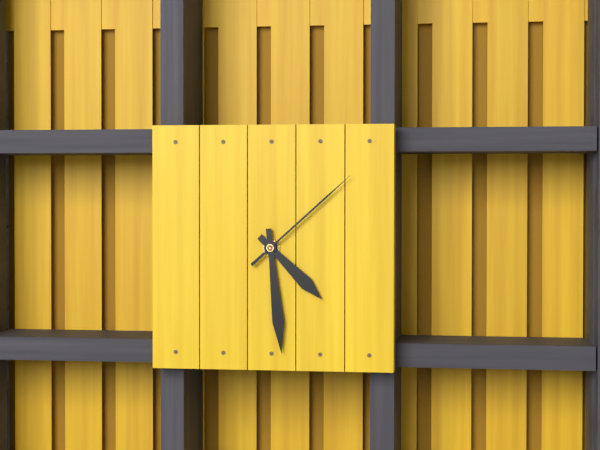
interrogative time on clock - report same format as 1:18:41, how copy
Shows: 4:29:08
